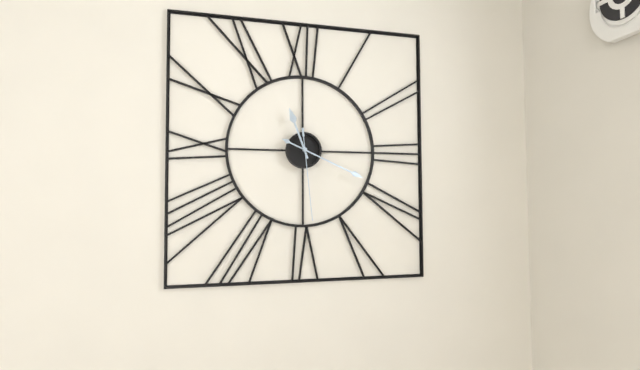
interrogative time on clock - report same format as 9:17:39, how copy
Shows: 11:19:29
